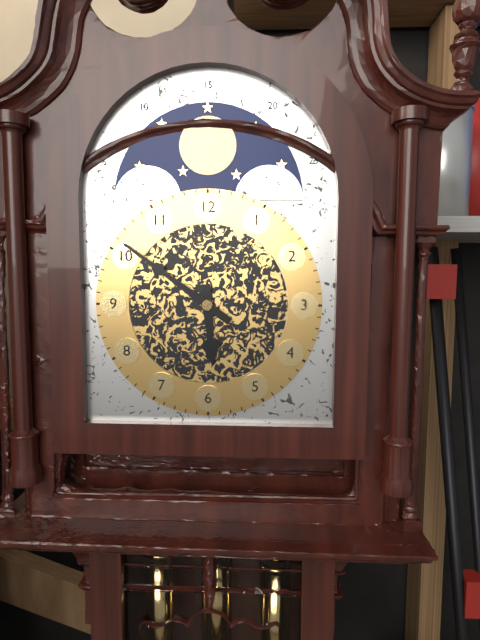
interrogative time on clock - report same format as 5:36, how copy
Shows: 5:51
